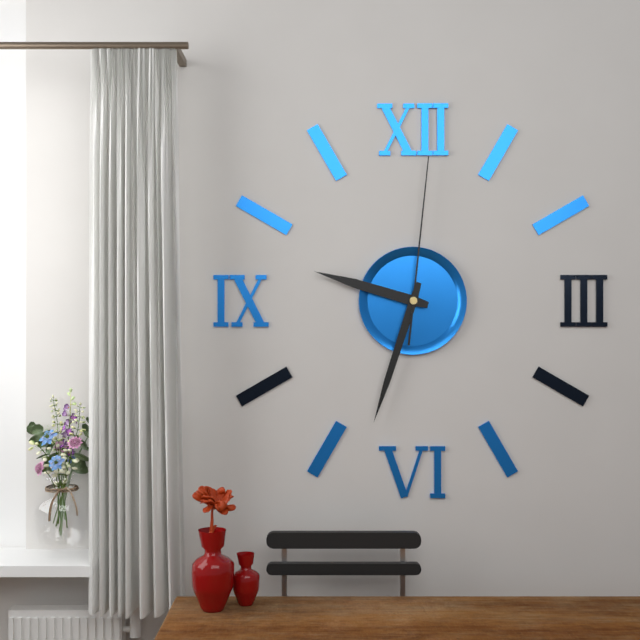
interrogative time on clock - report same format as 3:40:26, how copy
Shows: 9:33:01
